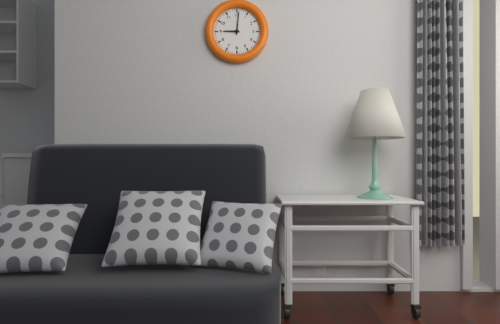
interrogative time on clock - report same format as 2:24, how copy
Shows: 9:01
